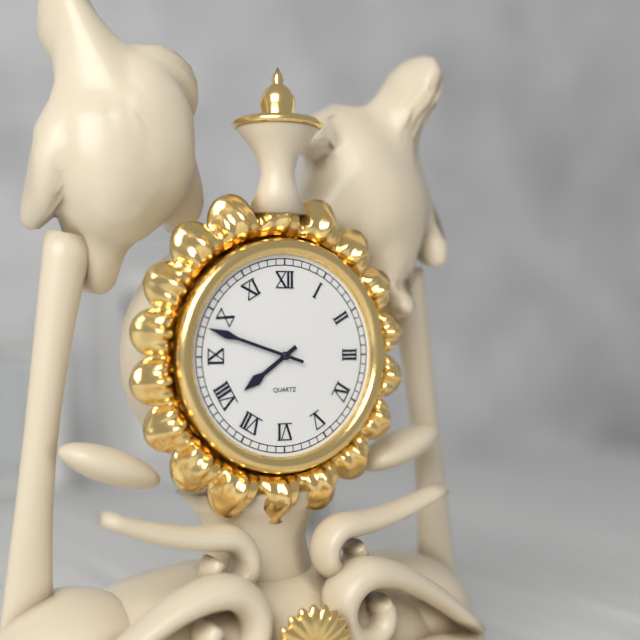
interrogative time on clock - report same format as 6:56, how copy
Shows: 7:48
